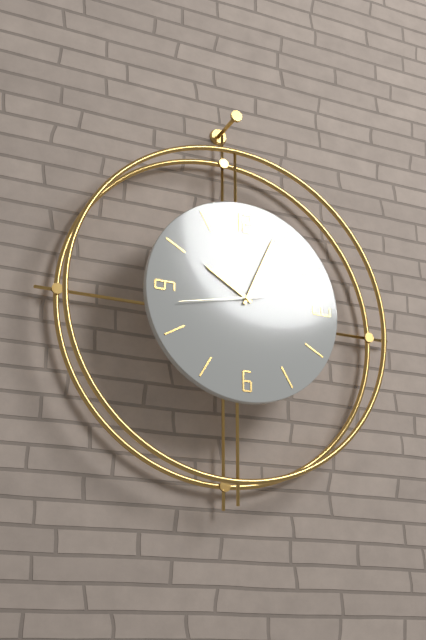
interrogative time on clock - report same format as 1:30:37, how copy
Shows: 10:04:43
